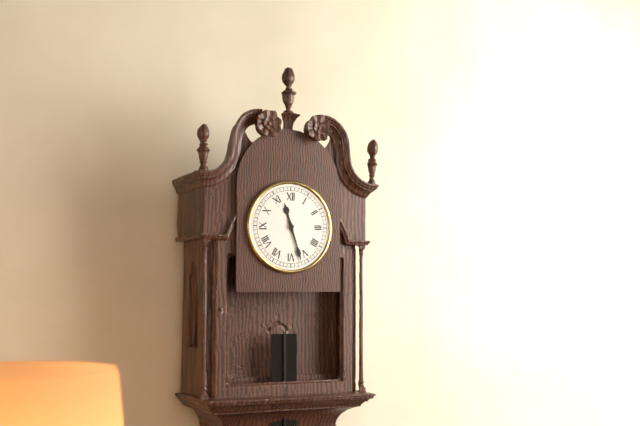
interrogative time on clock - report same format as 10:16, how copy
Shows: 11:27
